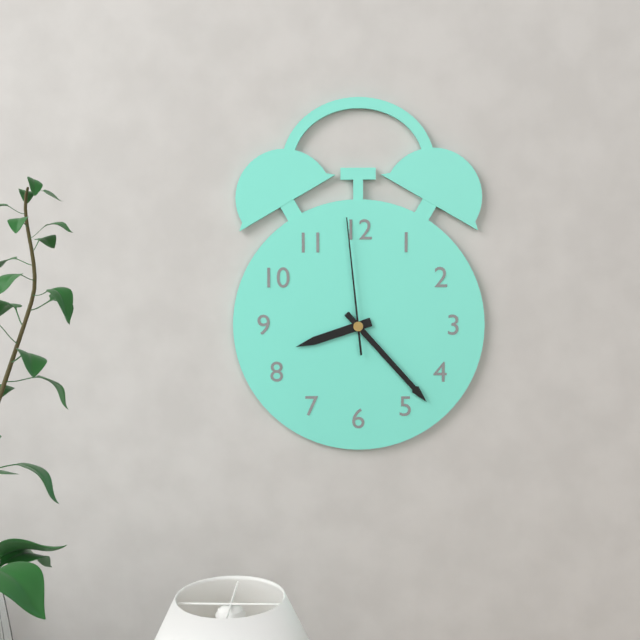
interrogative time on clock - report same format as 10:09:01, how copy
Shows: 8:23:59
